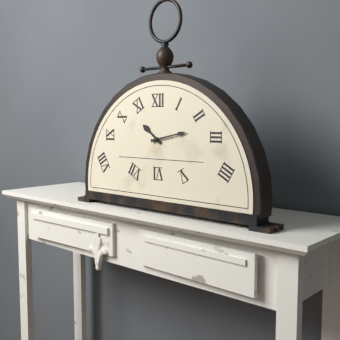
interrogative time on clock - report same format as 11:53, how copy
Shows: 10:13
